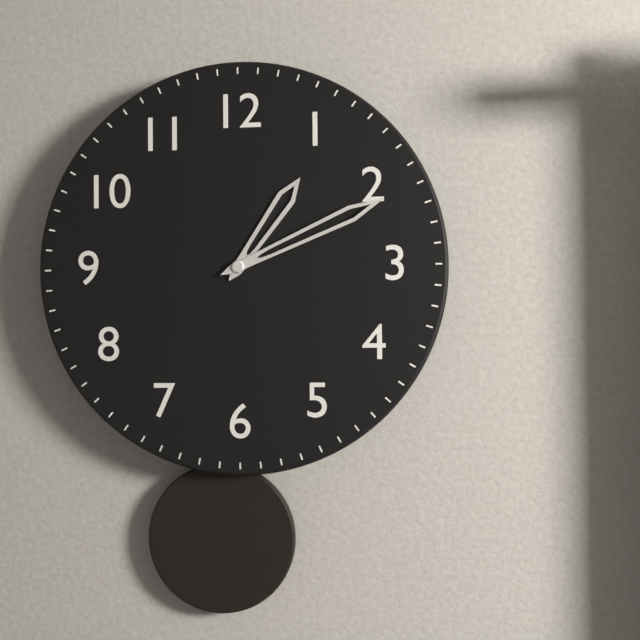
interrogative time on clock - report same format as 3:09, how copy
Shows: 1:11
